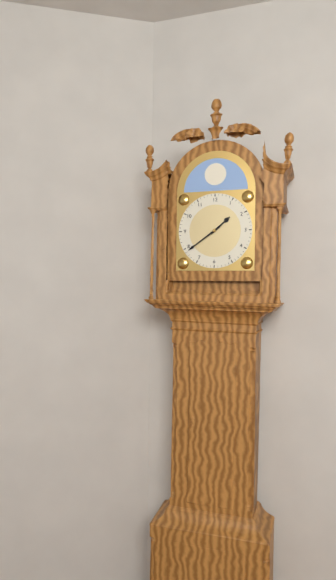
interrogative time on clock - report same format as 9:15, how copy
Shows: 1:39
